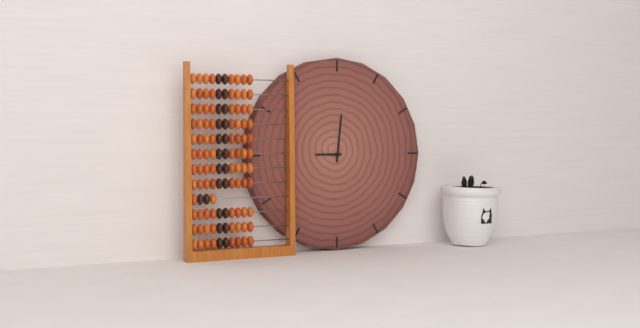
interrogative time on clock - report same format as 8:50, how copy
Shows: 9:01
